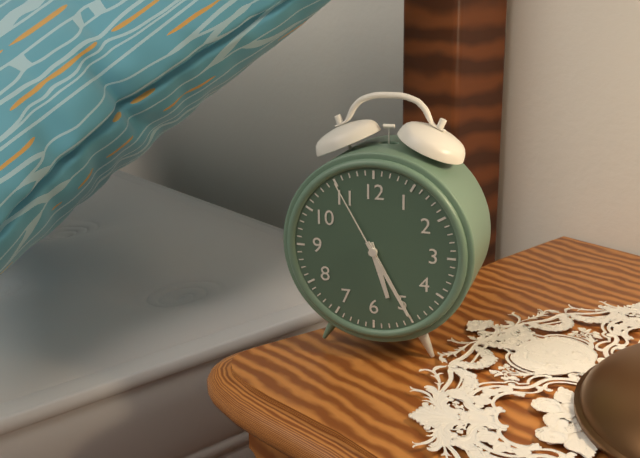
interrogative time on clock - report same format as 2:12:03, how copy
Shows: 5:25:55
